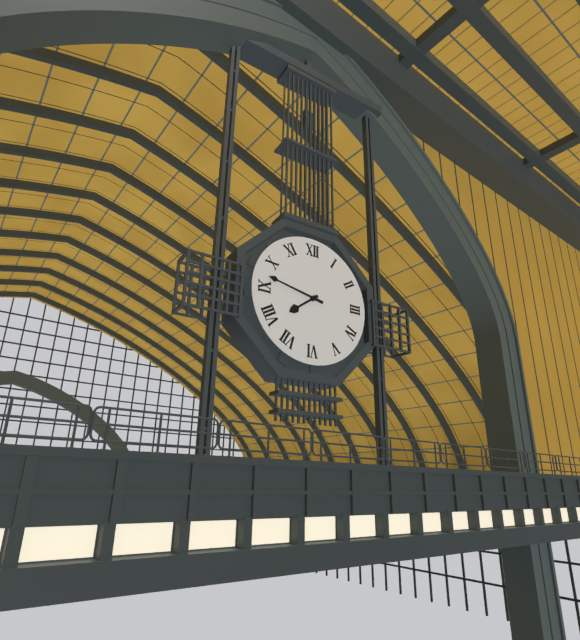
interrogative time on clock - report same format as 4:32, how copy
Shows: 7:47
